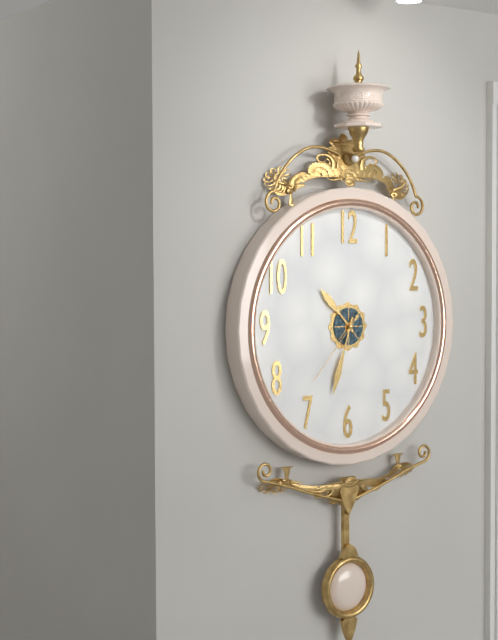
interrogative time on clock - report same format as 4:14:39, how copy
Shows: 10:33:37
